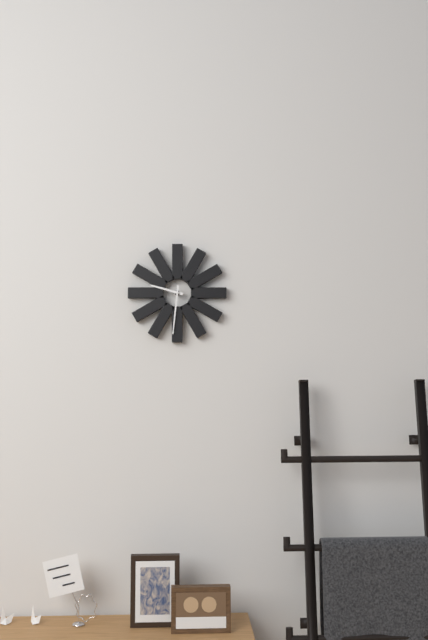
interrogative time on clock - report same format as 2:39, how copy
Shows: 9:31
